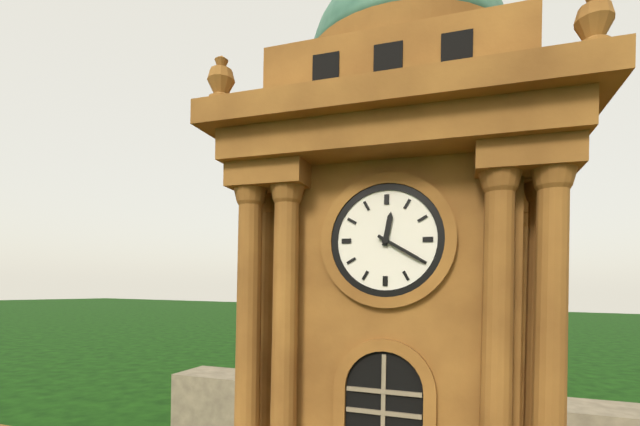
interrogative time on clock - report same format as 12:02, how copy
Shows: 12:20
